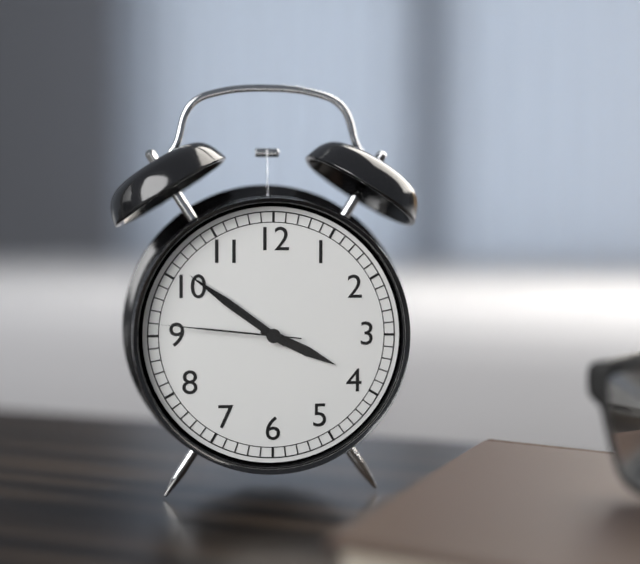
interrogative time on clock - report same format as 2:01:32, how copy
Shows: 3:51:46
